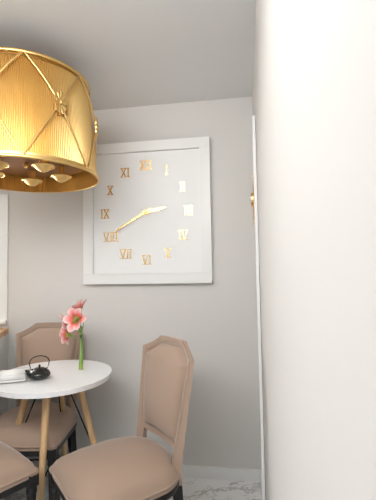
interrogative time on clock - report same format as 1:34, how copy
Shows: 2:40
